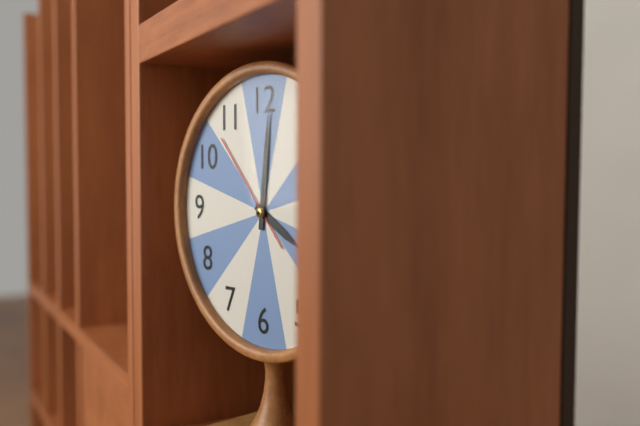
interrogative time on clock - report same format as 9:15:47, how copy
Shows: 4:01:53
